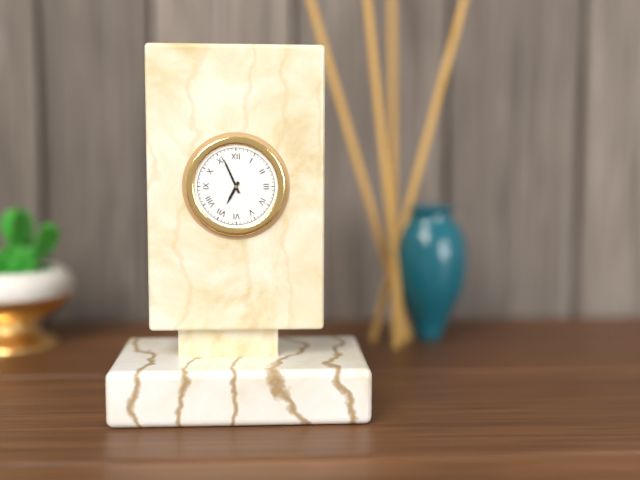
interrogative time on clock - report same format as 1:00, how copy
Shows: 6:56
